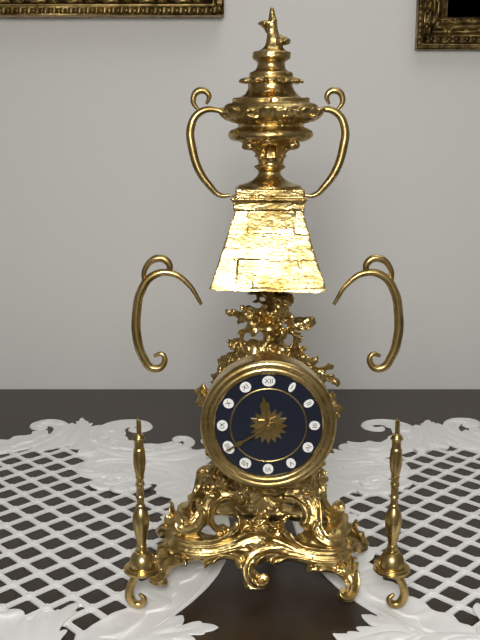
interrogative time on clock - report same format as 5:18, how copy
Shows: 11:40
